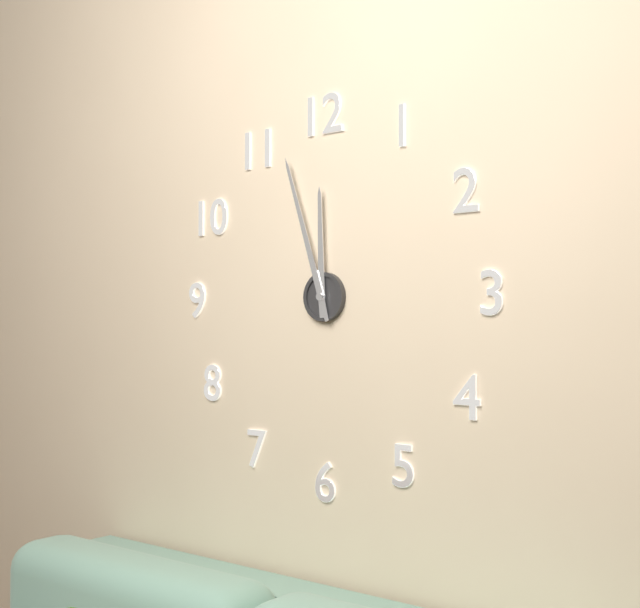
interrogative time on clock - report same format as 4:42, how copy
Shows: 11:57
